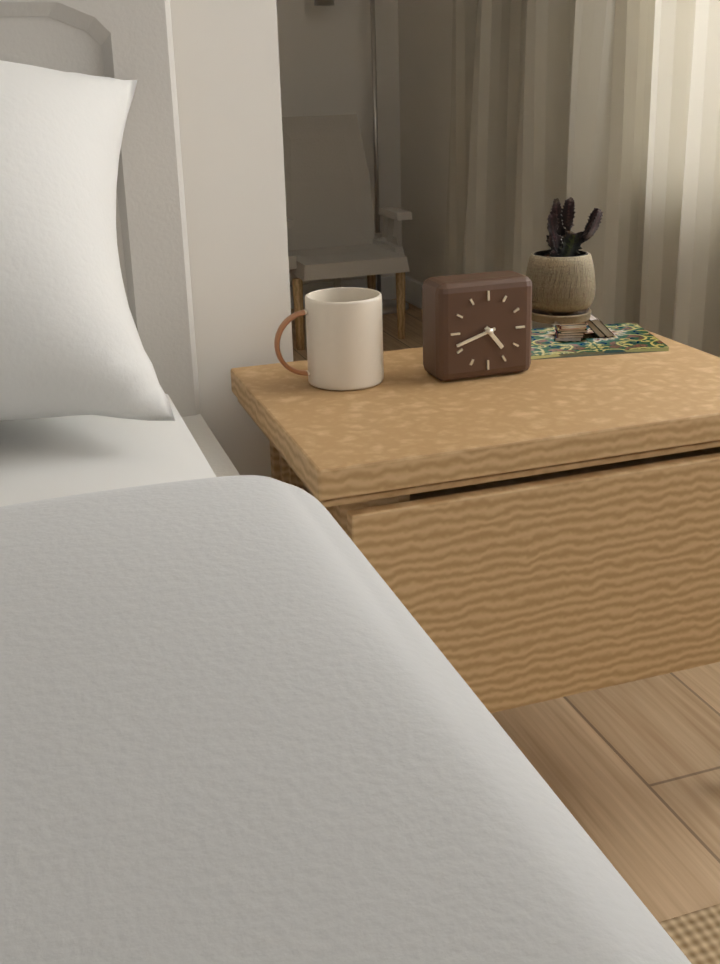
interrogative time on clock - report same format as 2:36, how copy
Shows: 4:42
